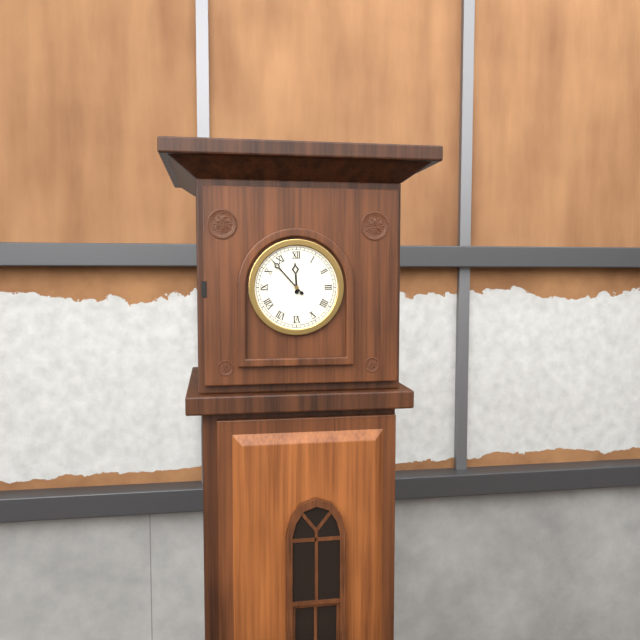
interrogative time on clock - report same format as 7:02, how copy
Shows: 11:53
